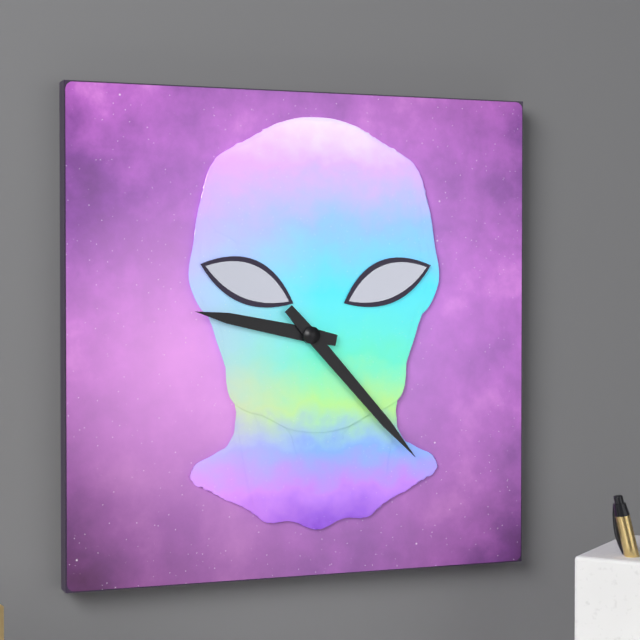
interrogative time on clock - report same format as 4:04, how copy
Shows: 9:23
